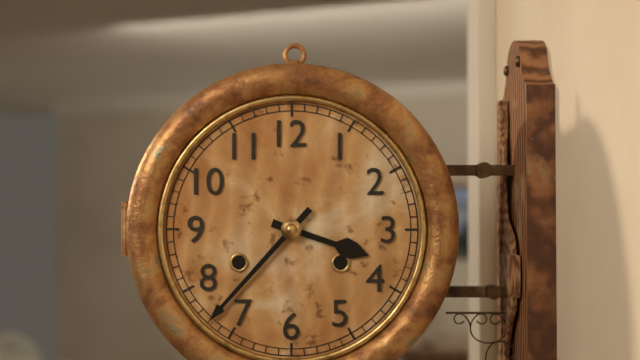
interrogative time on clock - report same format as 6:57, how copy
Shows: 3:37
